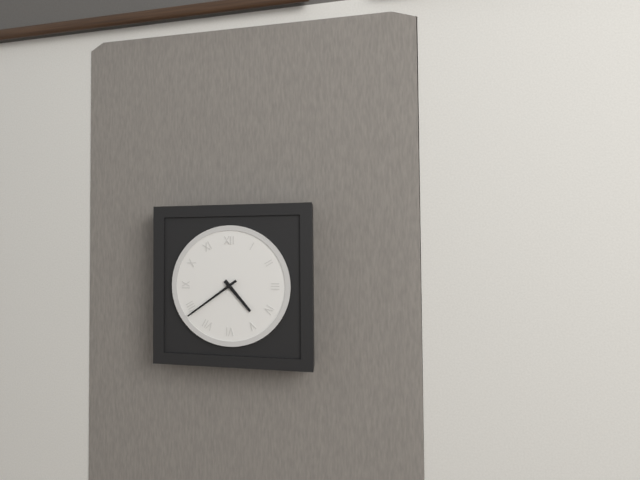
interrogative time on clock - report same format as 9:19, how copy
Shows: 4:39
